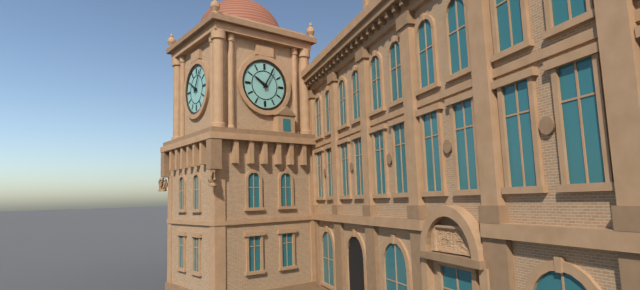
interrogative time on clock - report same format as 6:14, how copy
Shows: 10:05
